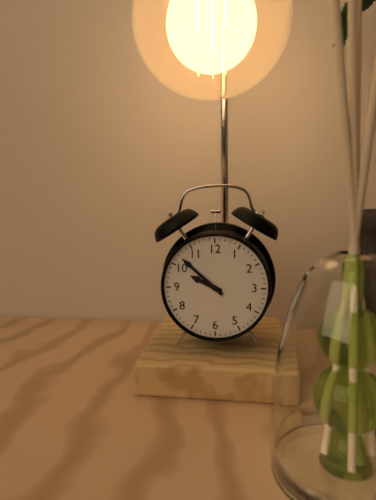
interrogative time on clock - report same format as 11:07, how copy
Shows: 9:52
